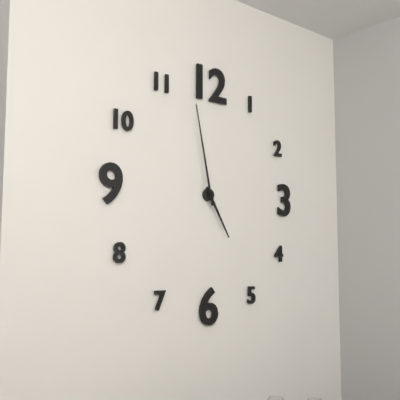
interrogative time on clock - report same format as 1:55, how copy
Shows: 4:58
